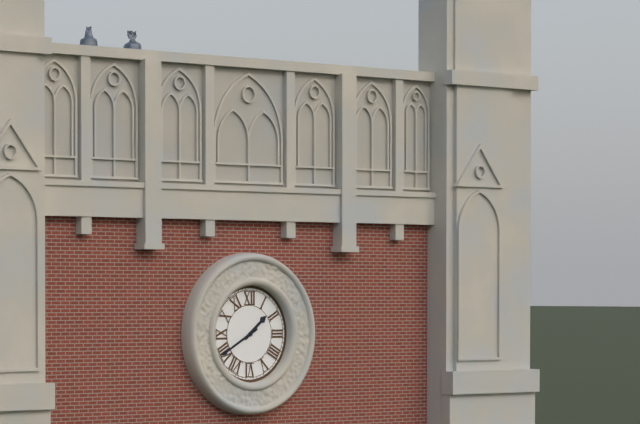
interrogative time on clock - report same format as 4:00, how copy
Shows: 1:40
